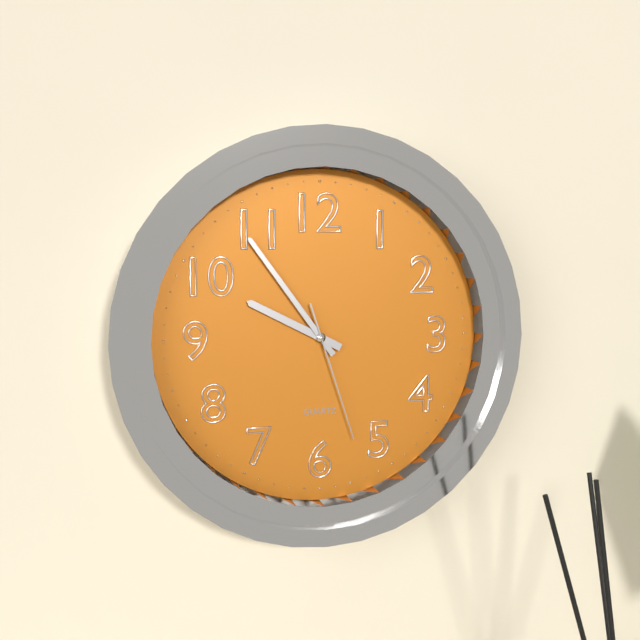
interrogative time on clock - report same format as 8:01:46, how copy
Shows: 9:54:27
